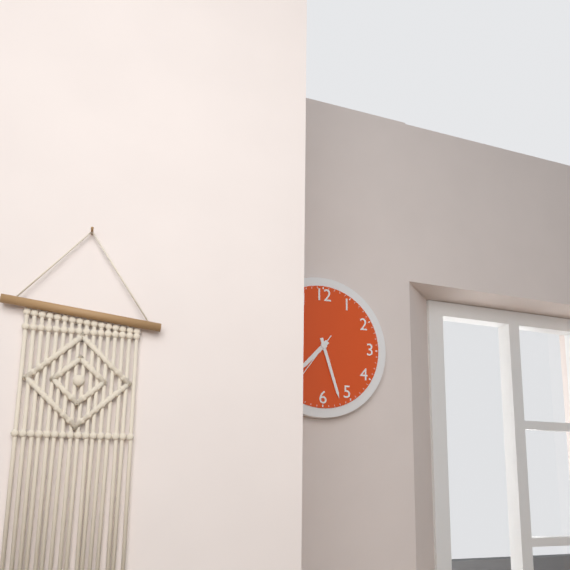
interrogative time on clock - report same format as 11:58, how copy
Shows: 7:27
